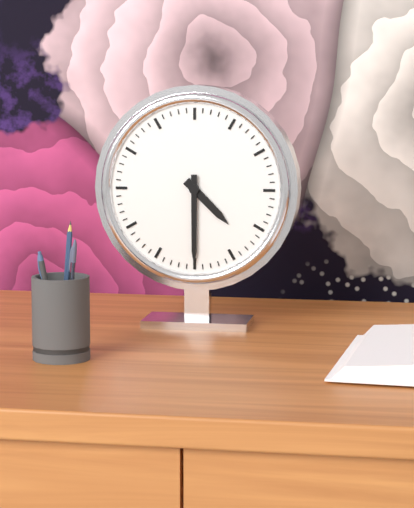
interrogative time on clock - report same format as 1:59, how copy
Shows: 4:30
